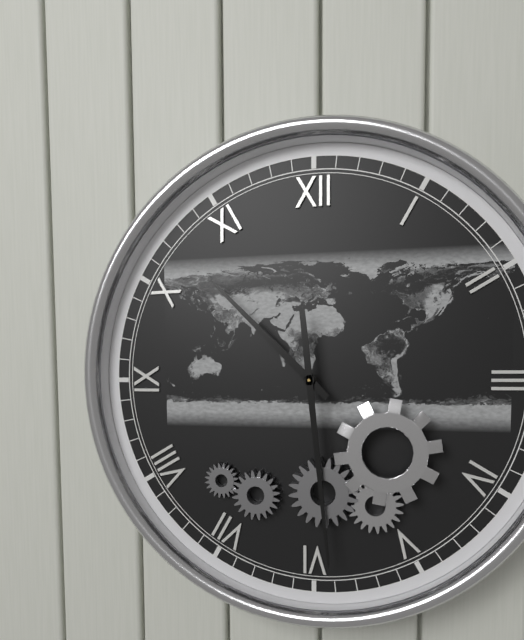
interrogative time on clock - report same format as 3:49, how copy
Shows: 10:29
